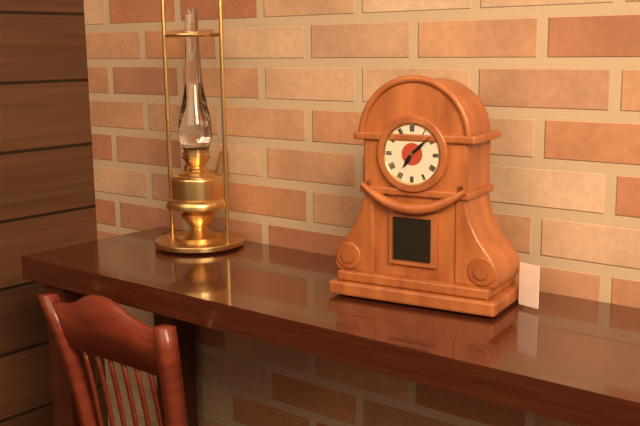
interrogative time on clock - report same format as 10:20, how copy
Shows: 7:08
